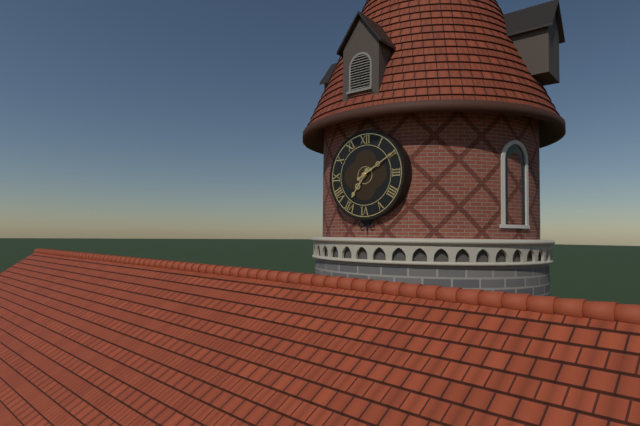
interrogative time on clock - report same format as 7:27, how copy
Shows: 7:10
